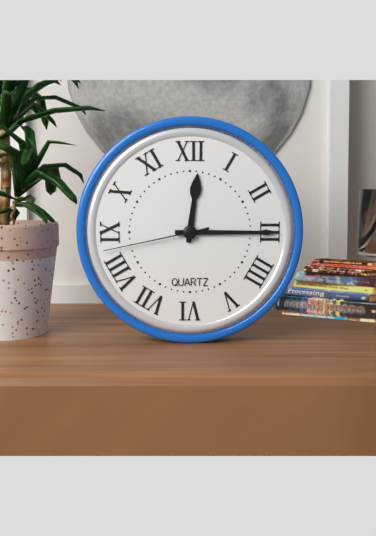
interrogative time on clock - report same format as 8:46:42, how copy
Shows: 12:15:43
